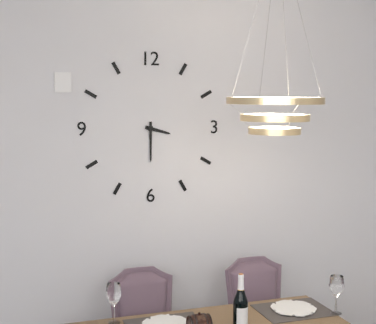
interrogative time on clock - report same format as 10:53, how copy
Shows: 3:30
